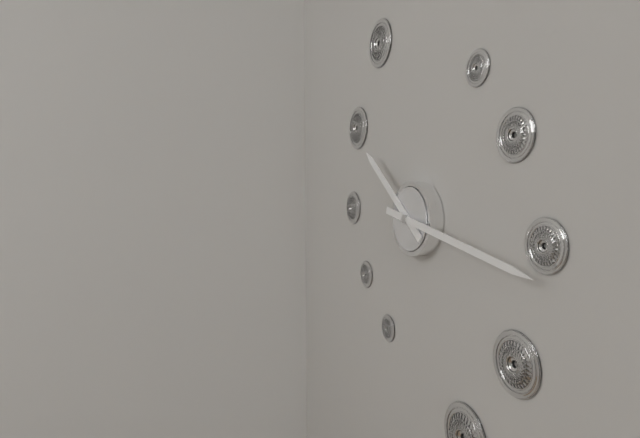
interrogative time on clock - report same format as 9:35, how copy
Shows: 10:17
